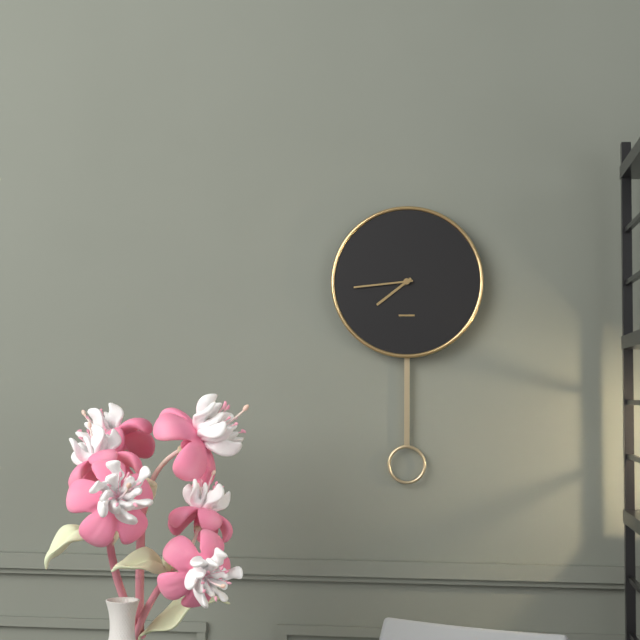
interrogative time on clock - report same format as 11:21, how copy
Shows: 7:44
